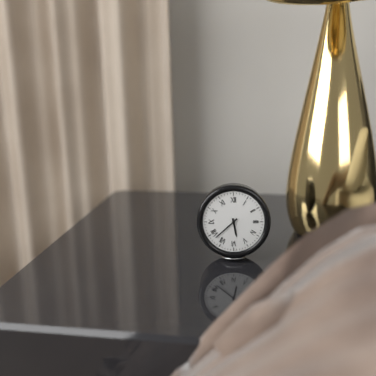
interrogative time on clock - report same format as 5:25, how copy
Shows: 5:38
